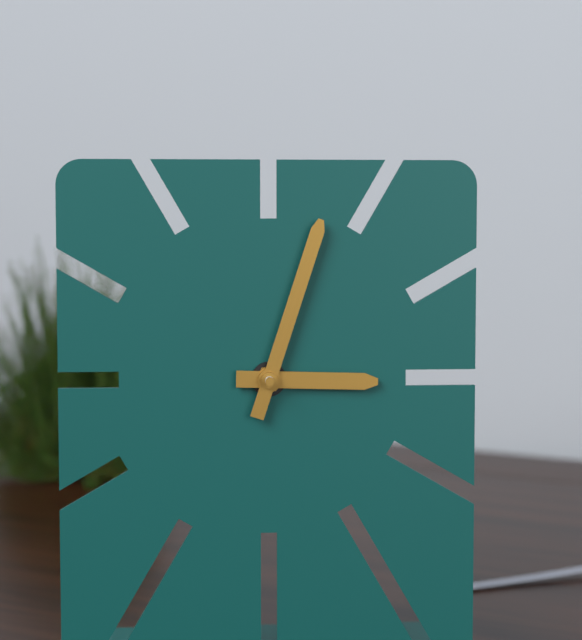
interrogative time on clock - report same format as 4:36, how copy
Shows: 3:03
